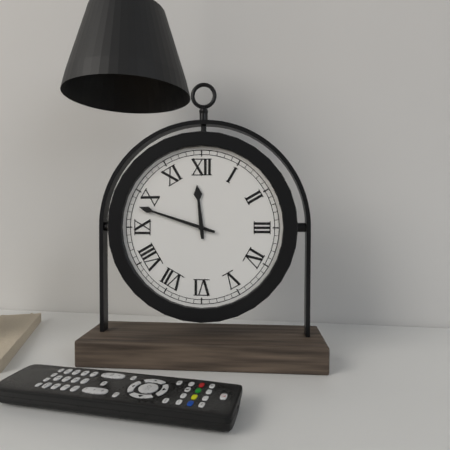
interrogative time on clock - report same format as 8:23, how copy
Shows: 11:48
